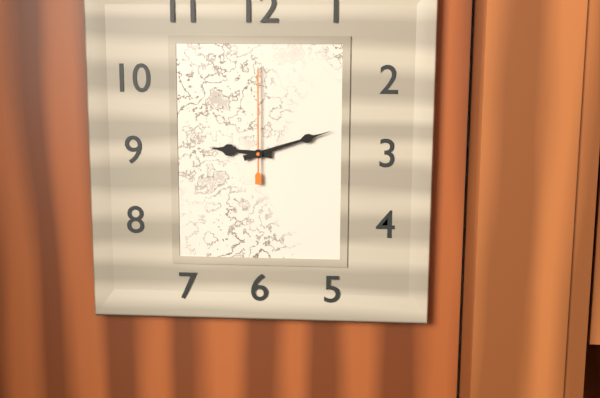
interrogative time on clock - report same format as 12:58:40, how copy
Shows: 9:12:00
